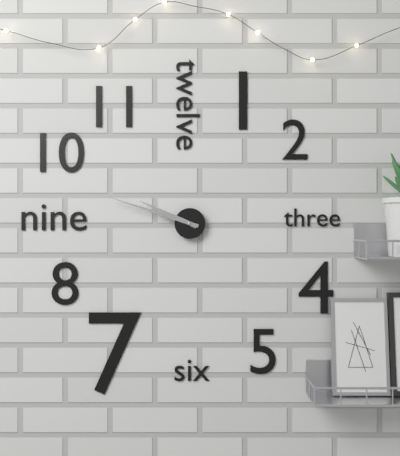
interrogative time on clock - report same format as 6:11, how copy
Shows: 9:48
